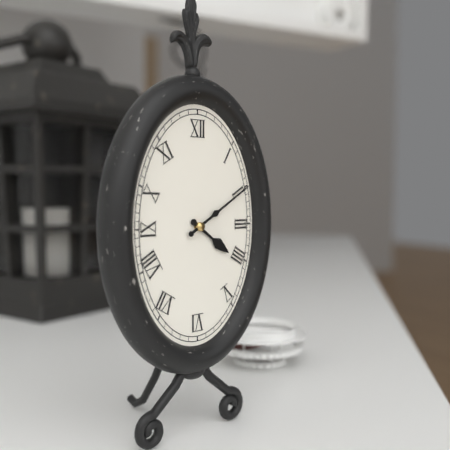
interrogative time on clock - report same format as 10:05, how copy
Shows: 4:10
